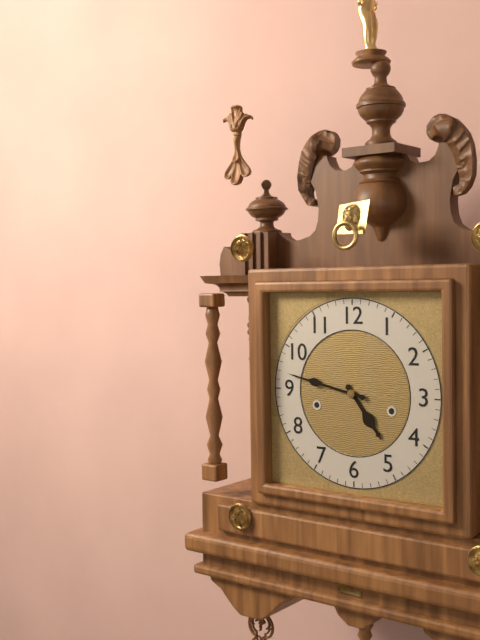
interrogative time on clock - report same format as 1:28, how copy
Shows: 4:47
